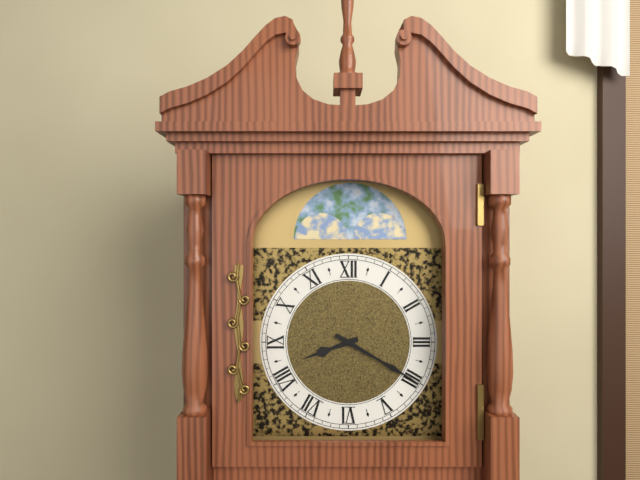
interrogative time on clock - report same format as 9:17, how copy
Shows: 8:20
